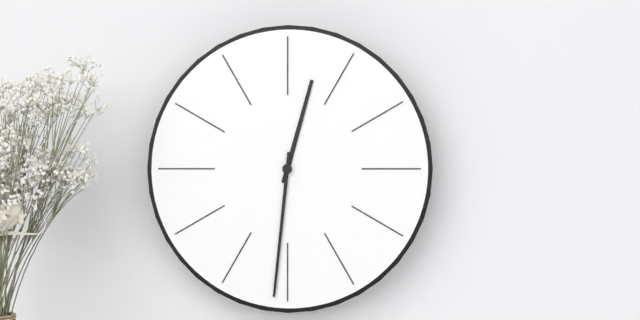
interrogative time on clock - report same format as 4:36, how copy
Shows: 12:31
